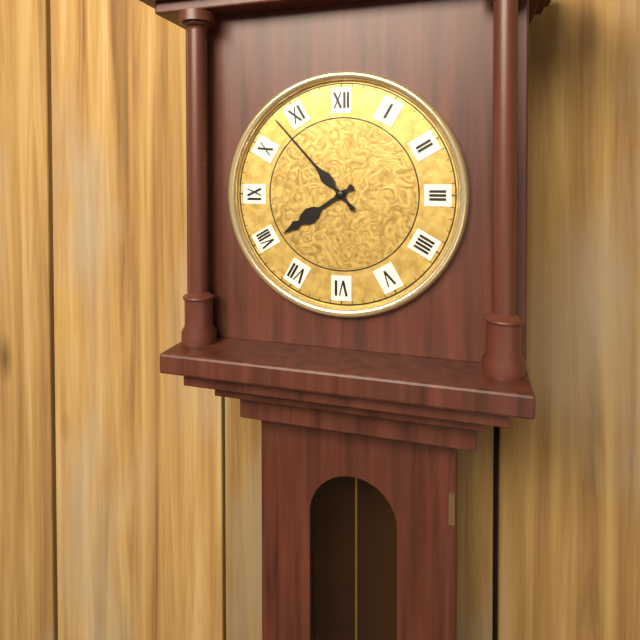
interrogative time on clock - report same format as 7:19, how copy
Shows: 7:53
